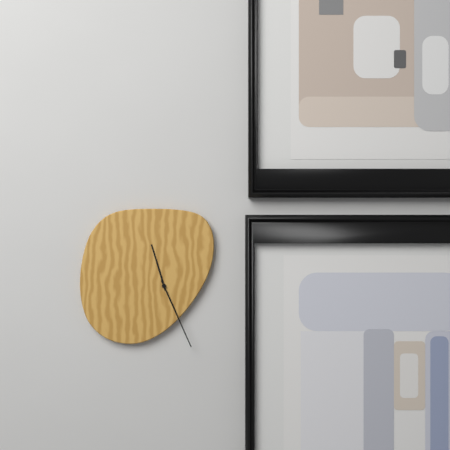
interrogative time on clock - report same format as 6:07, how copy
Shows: 11:26
